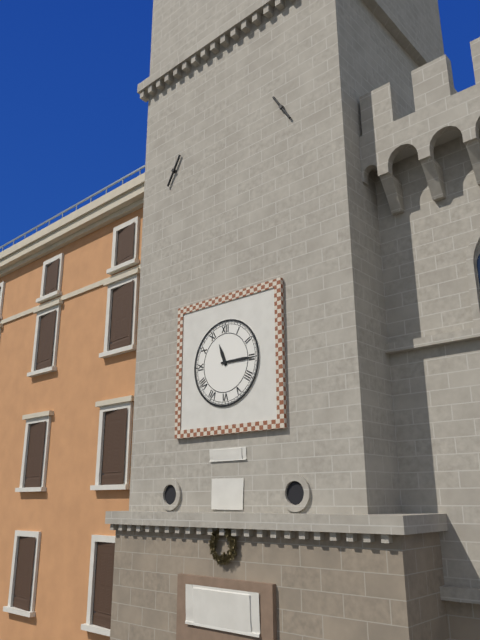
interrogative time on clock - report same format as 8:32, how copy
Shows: 11:15
